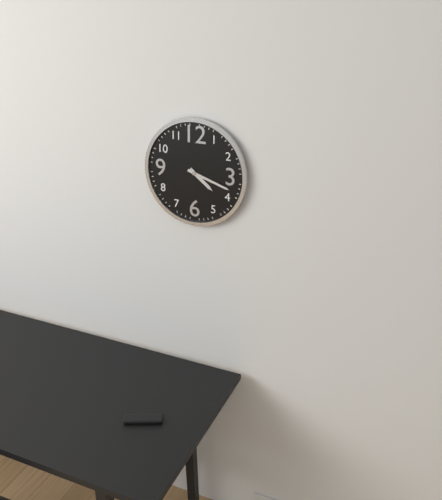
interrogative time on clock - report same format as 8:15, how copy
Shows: 4:18
